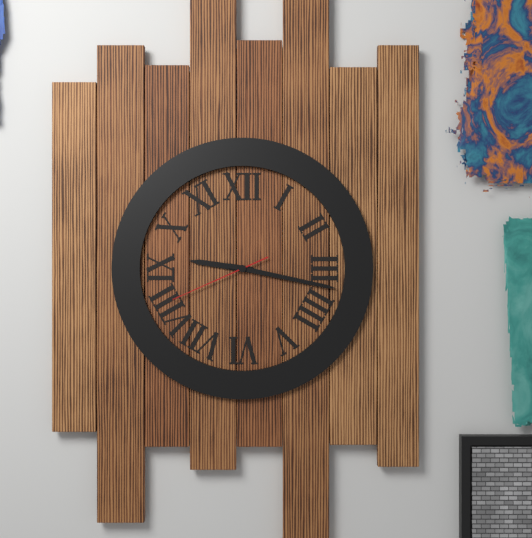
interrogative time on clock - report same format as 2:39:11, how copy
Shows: 9:17:41
